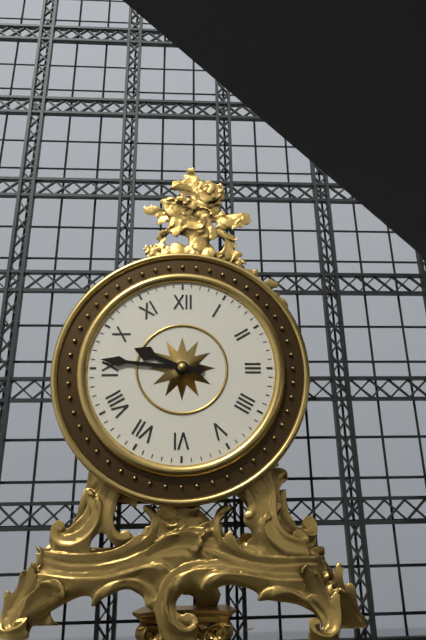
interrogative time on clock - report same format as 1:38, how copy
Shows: 9:46
